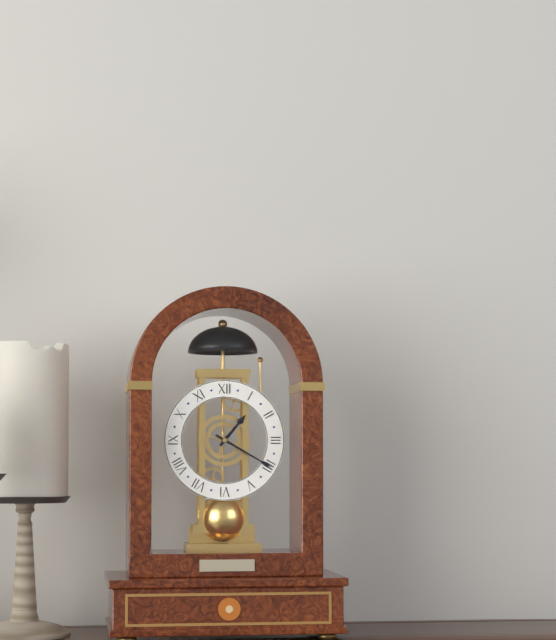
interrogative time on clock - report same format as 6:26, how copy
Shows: 1:20
